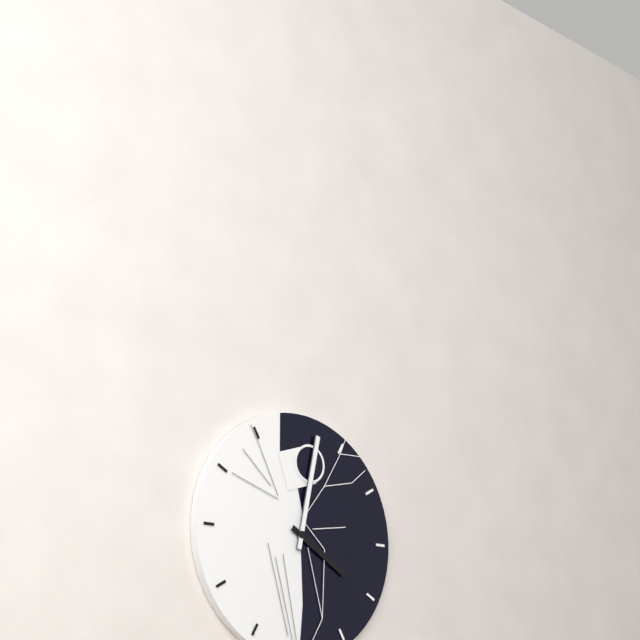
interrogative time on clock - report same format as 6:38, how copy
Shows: 4:02
